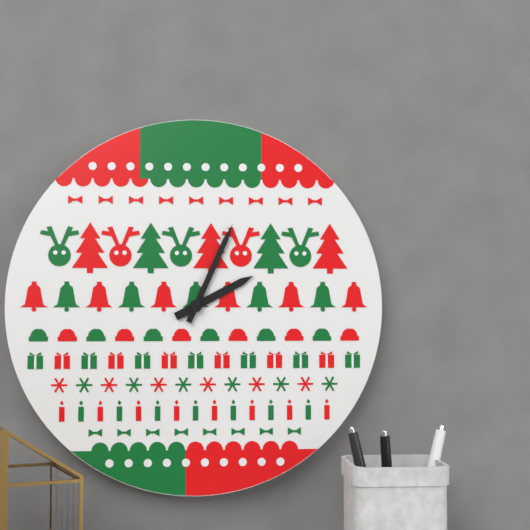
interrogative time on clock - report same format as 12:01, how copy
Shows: 2:04
